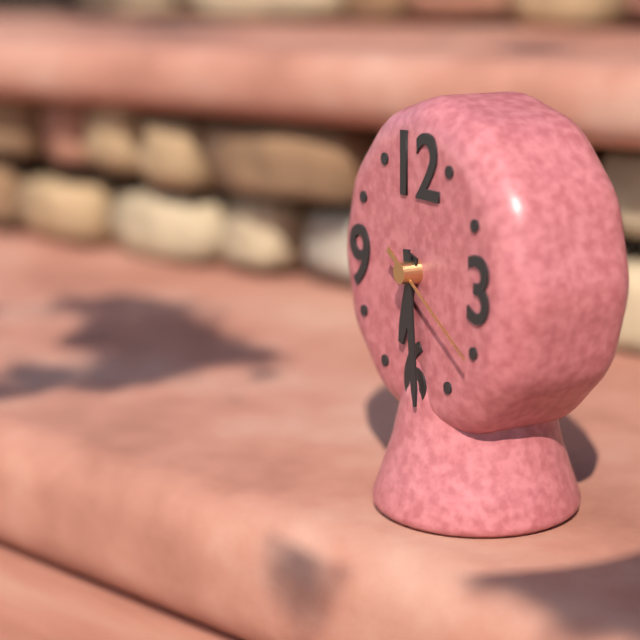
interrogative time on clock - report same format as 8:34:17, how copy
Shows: 6:29:20
